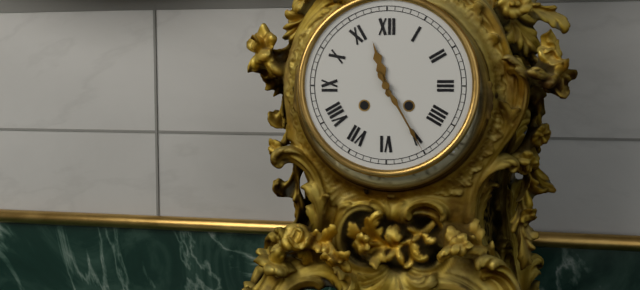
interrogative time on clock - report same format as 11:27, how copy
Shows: 11:25
